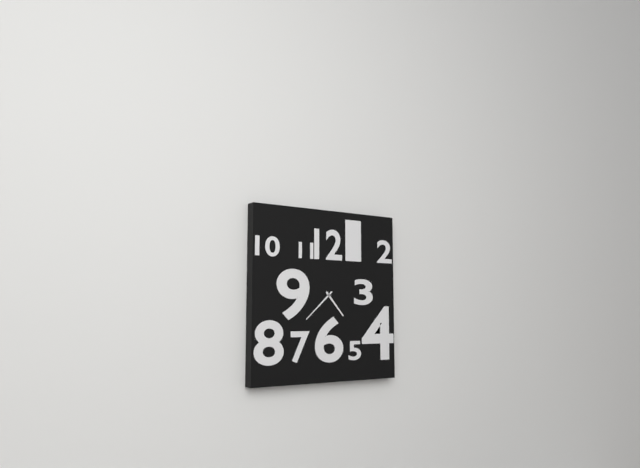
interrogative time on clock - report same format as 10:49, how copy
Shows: 4:38
